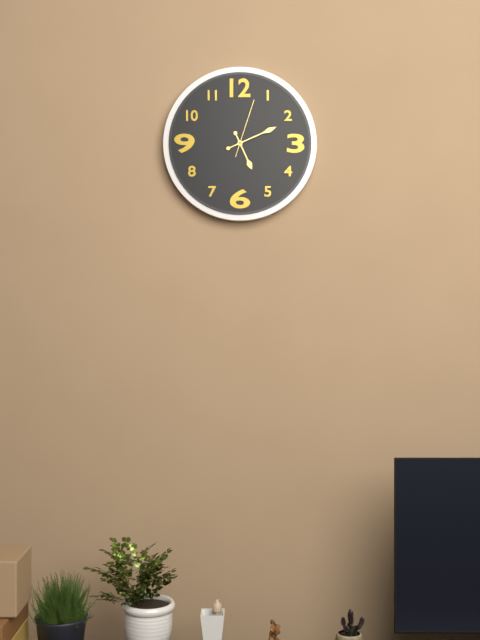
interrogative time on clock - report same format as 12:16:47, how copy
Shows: 5:11:03
